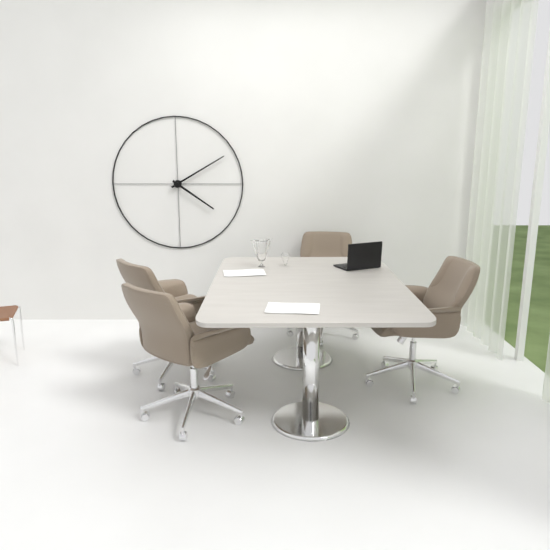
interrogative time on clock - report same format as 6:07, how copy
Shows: 4:10
